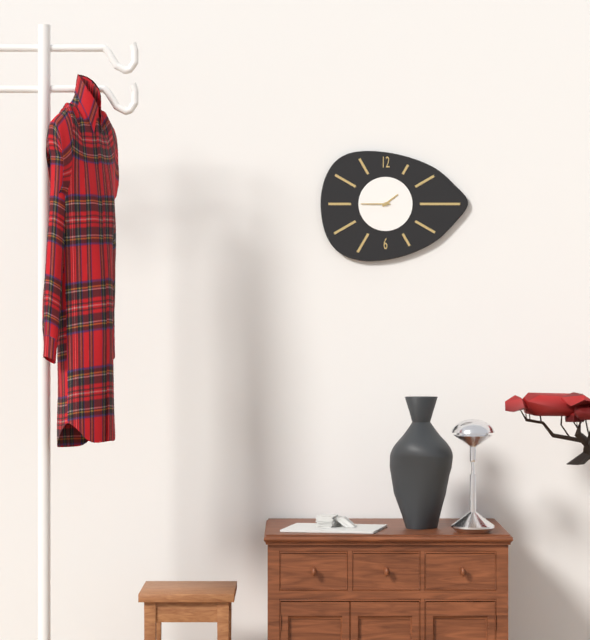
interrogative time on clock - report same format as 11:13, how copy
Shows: 1:45
